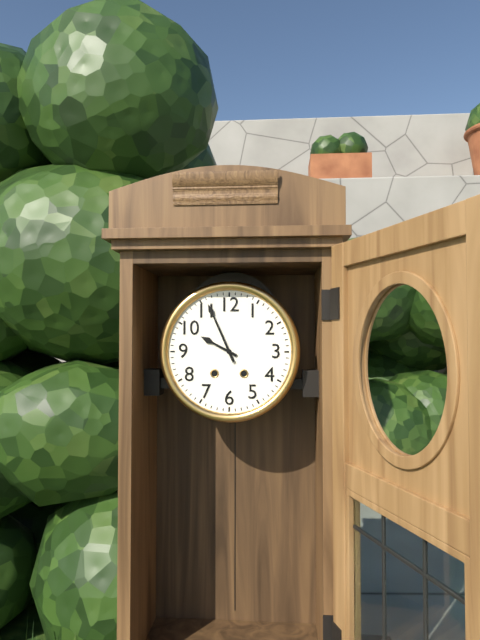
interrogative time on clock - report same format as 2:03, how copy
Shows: 9:56
